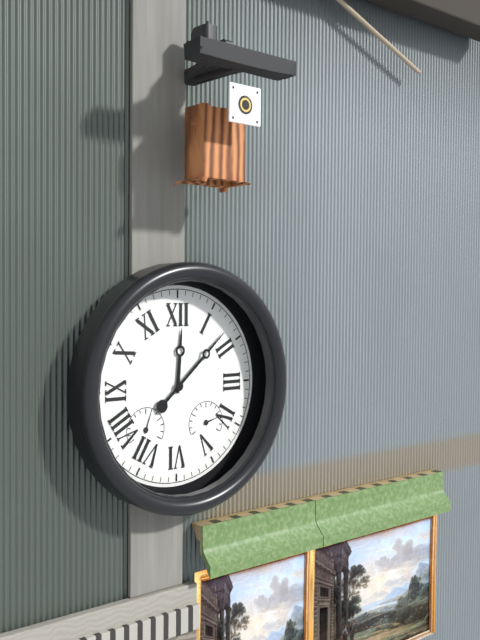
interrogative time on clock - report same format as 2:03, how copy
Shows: 12:08
